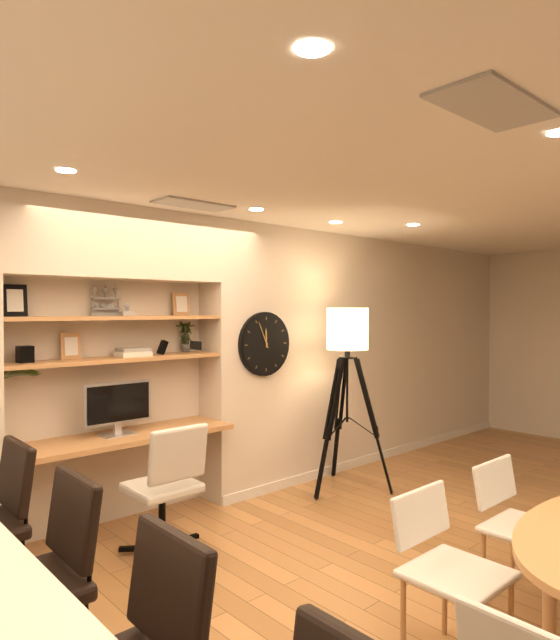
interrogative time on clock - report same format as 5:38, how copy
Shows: 11:56
